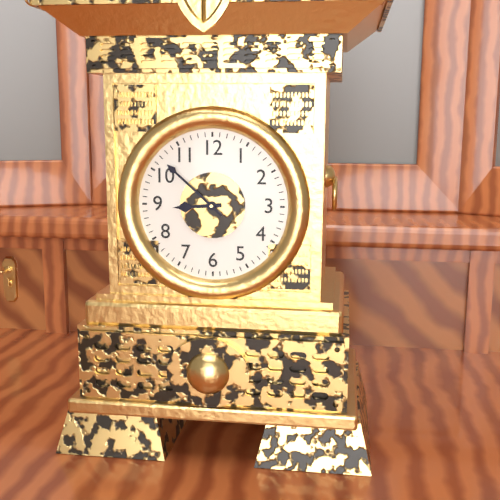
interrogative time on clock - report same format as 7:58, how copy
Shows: 8:52
